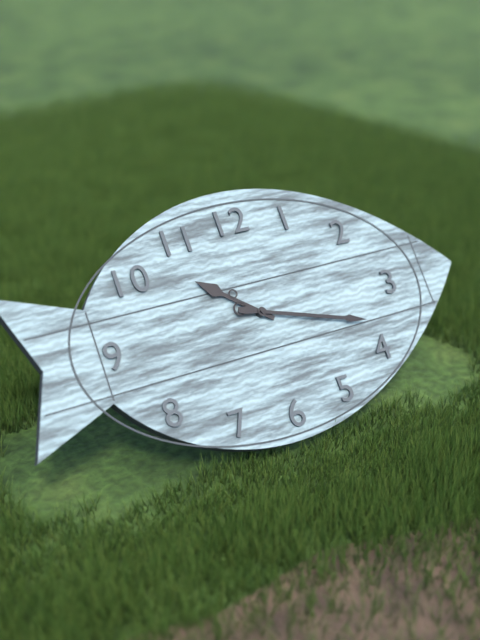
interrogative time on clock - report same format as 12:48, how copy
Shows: 10:18
